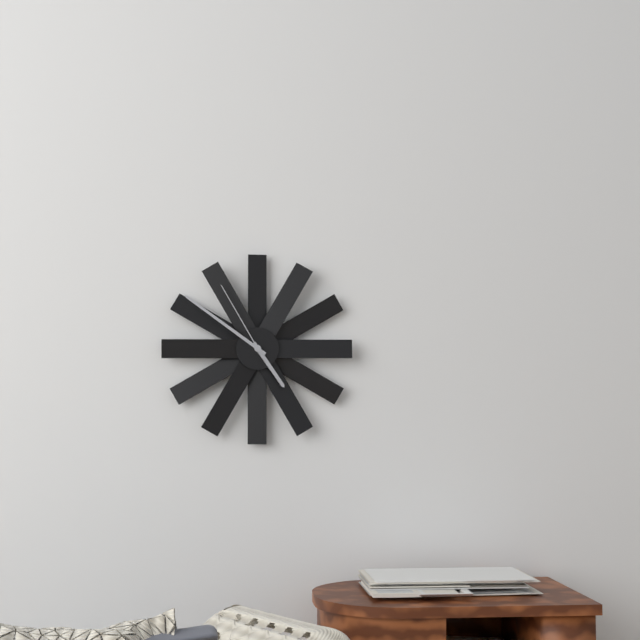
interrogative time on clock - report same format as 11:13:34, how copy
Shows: 4:51:55
